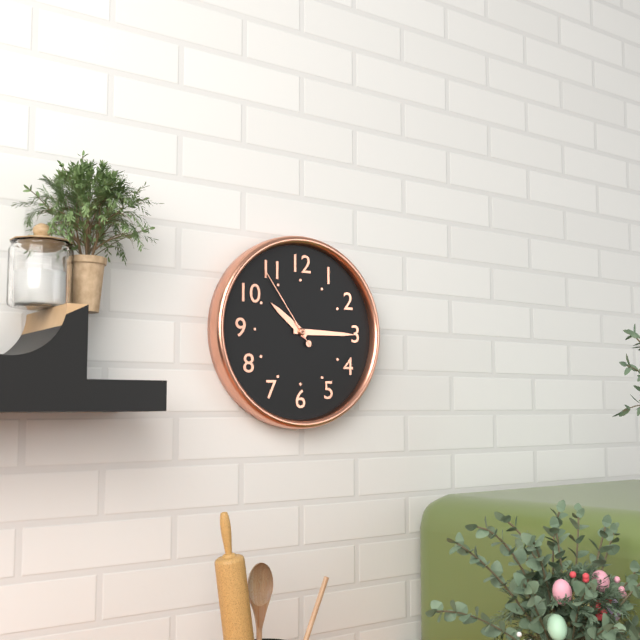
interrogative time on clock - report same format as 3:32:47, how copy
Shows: 10:15:54
